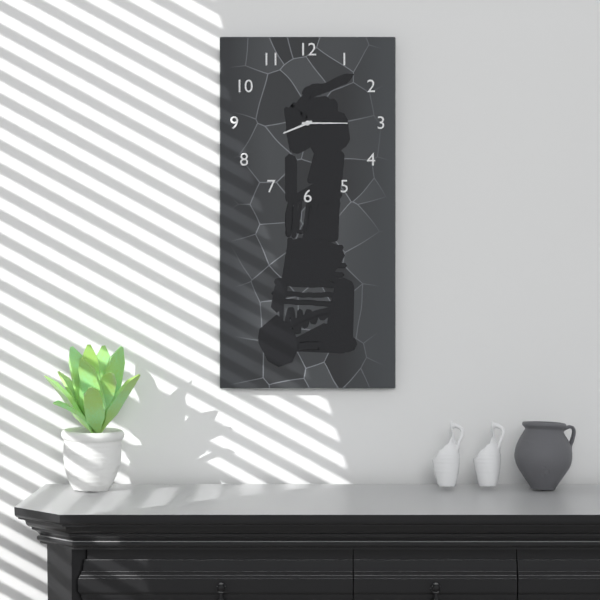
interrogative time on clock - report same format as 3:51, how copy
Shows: 8:15
